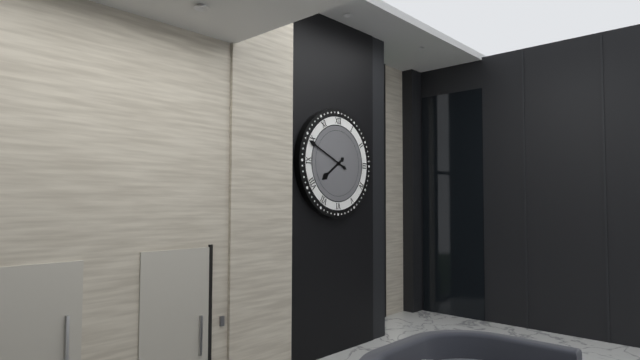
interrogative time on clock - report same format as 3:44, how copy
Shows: 7:49
